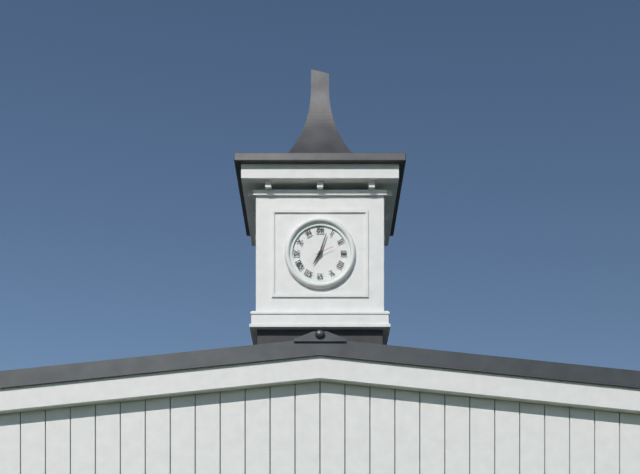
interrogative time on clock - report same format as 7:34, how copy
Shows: 7:03
